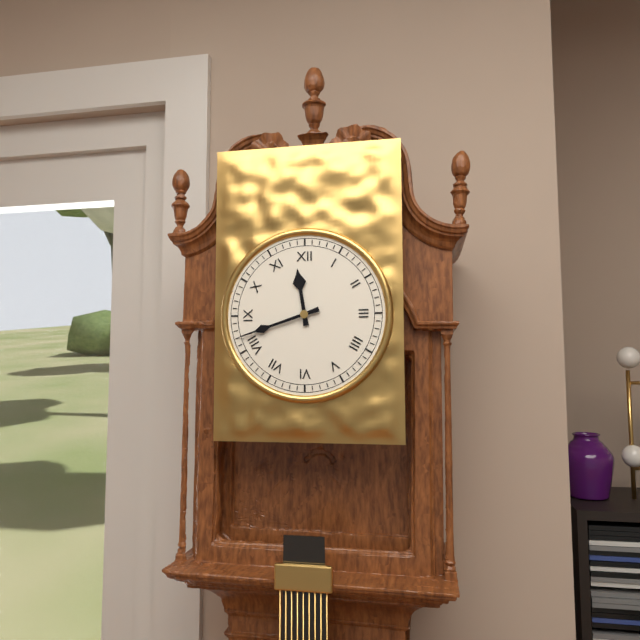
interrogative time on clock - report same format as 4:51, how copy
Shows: 11:42
